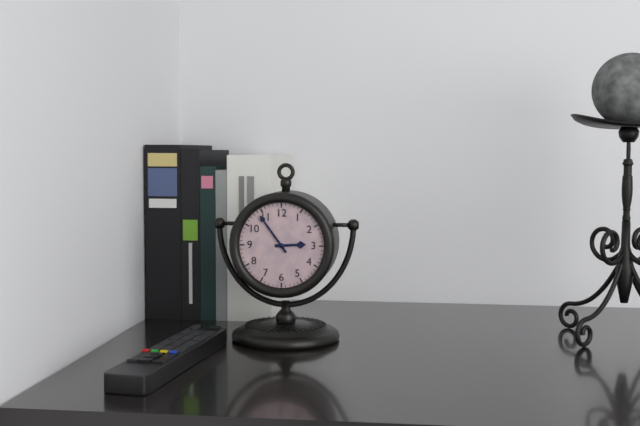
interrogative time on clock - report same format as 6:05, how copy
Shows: 2:54
